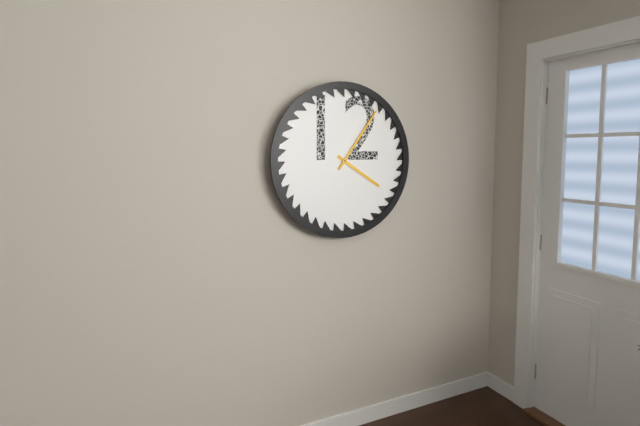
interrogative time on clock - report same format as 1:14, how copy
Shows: 4:06
